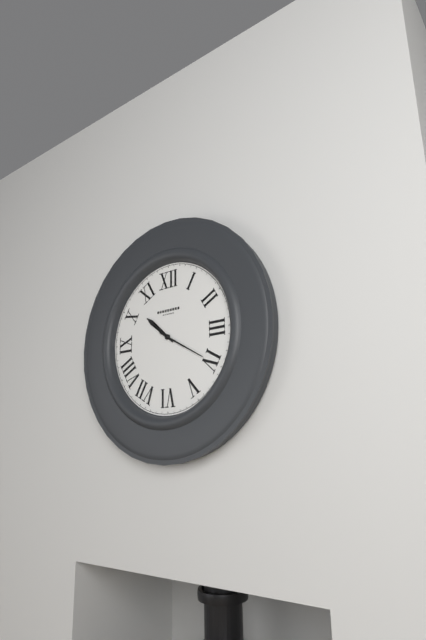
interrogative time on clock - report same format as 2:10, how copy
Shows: 10:20
